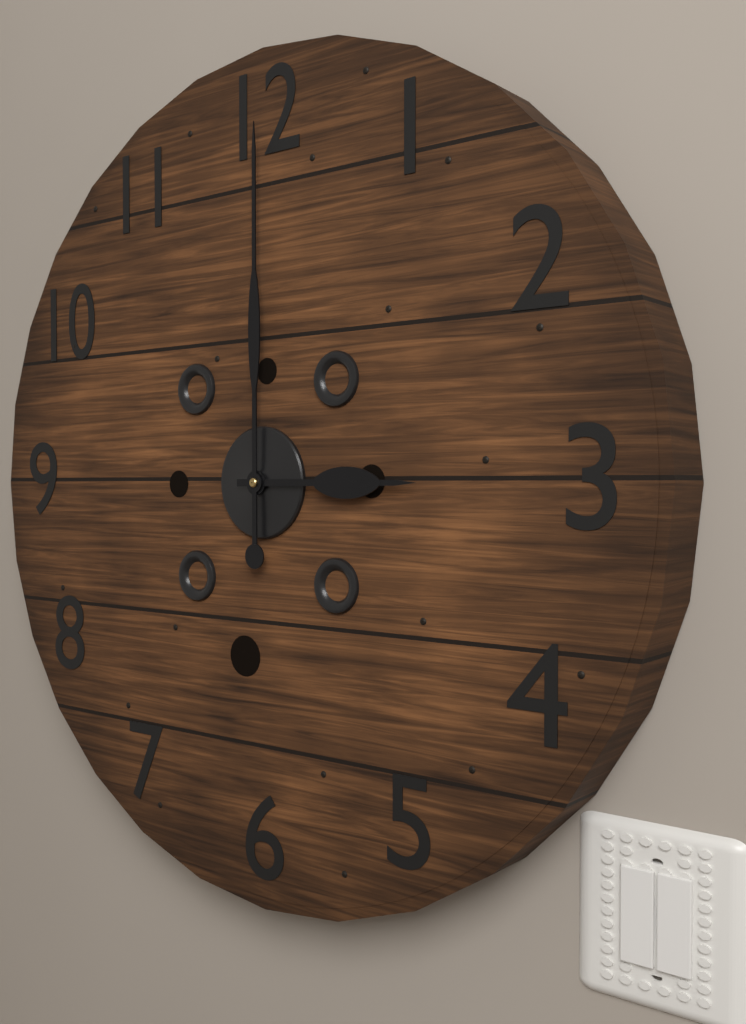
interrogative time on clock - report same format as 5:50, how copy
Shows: 3:00
